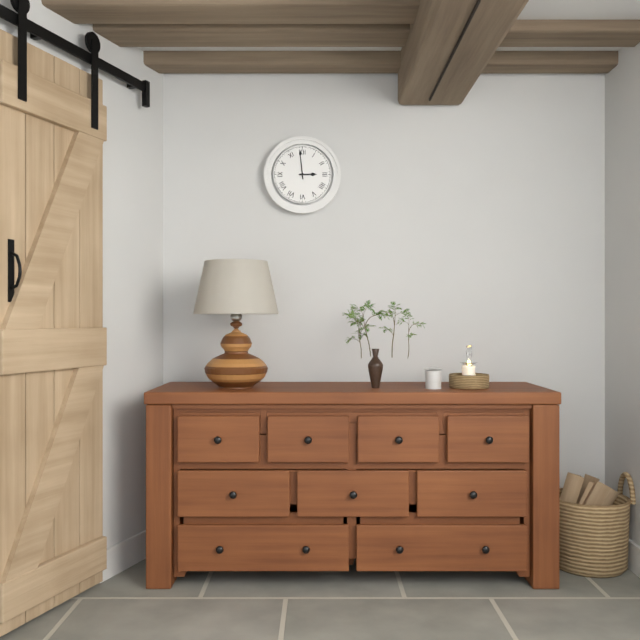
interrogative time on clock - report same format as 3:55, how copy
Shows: 2:59
